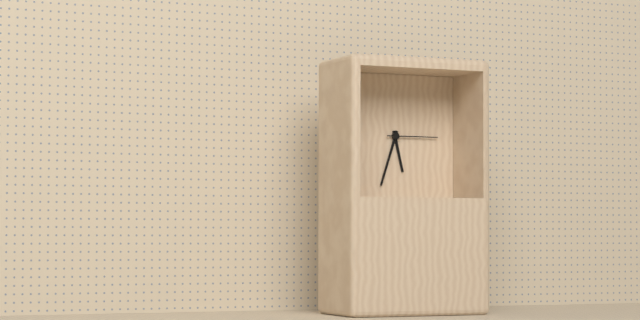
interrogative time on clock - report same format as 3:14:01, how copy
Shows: 5:33:15
